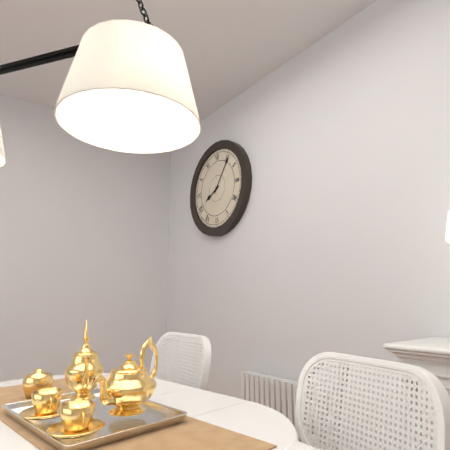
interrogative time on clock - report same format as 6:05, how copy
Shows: 8:06
